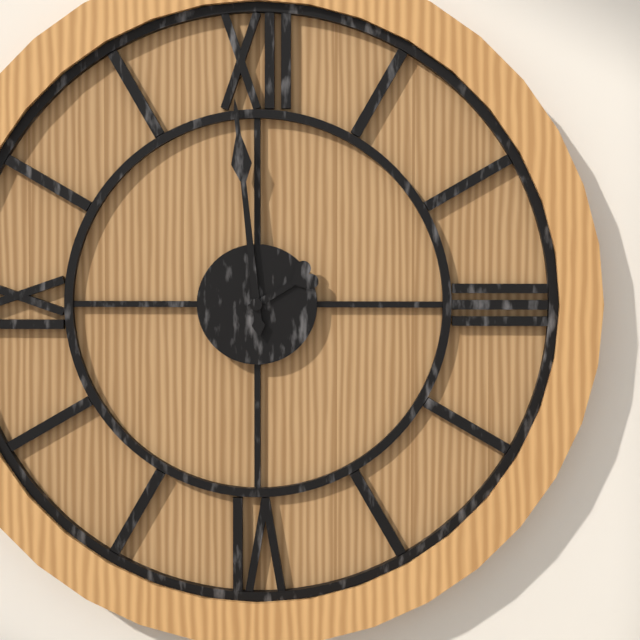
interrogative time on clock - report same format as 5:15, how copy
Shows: 1:59
